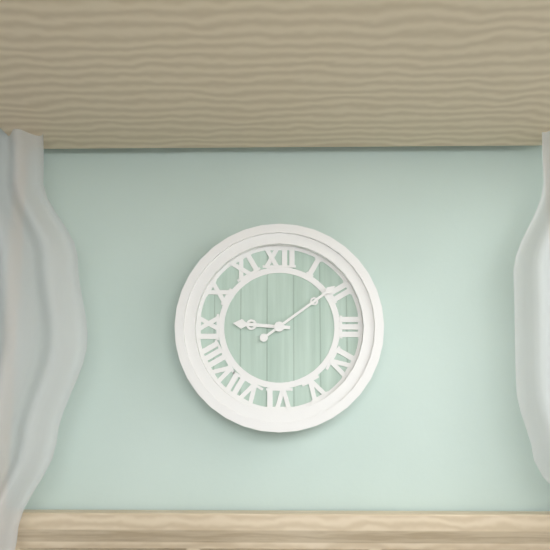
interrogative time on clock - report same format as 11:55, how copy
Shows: 9:09
